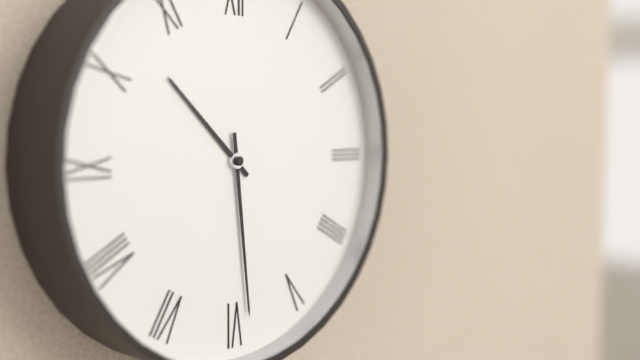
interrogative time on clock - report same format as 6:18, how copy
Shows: 10:29
